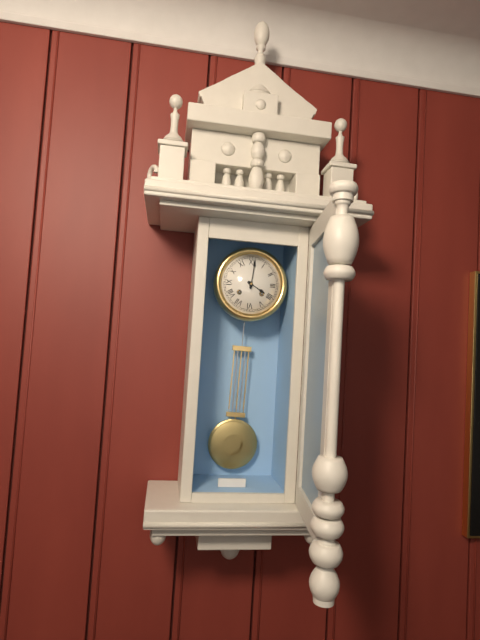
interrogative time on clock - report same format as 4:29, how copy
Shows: 4:01
